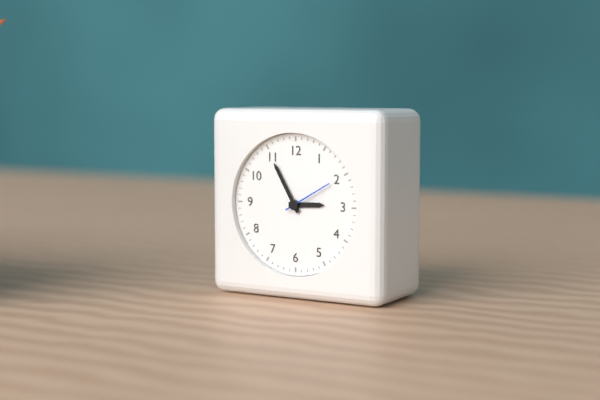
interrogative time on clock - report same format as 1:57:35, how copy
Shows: 2:55:10
